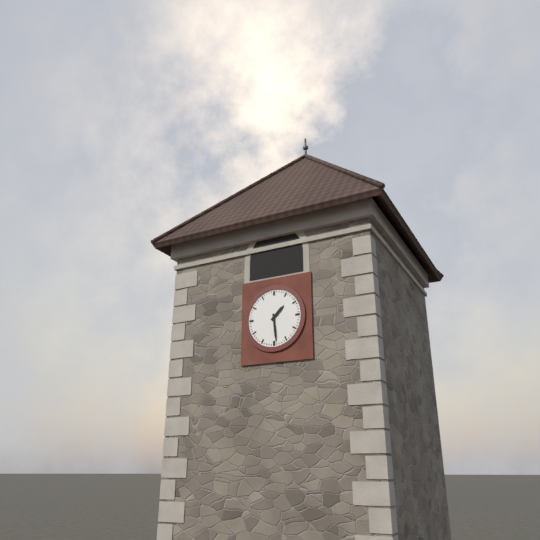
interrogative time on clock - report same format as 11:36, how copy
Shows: 1:29
